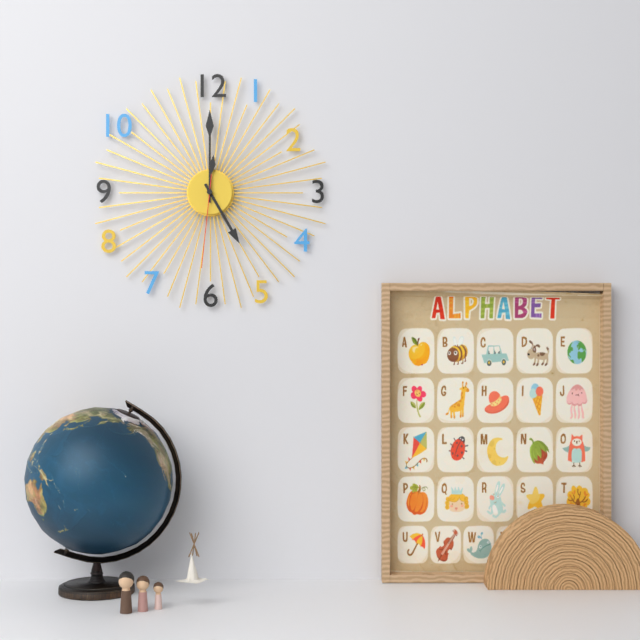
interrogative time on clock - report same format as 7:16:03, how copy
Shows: 5:00:31
